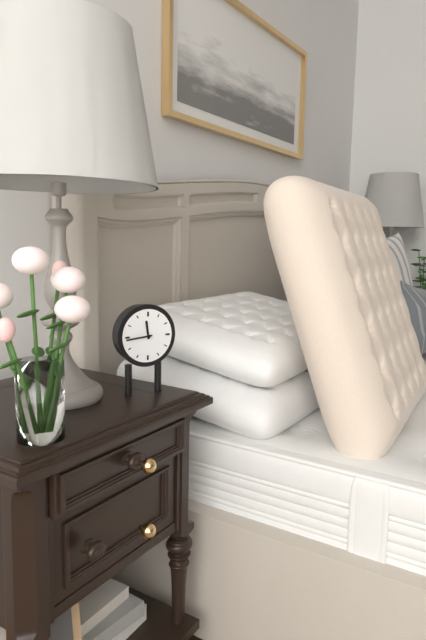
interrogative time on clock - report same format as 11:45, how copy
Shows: 11:44
